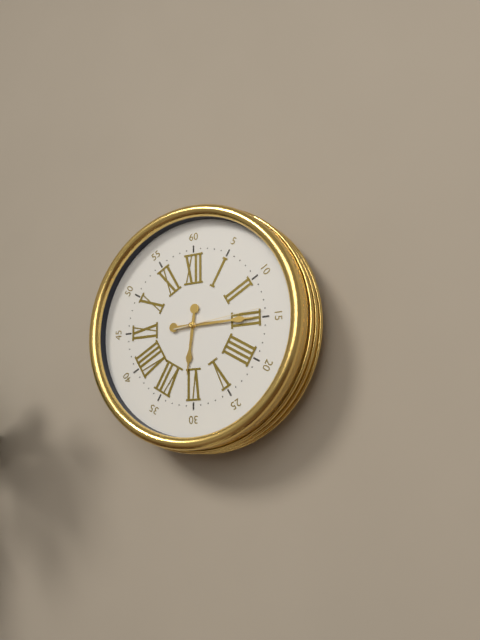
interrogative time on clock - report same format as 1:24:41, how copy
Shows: 6:15:14
